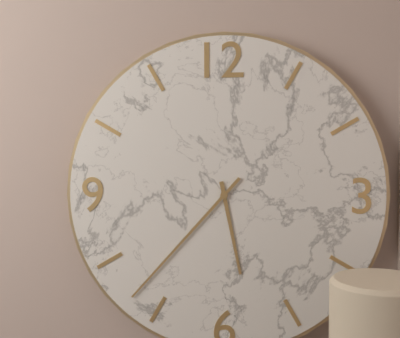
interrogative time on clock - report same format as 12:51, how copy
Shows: 5:37
